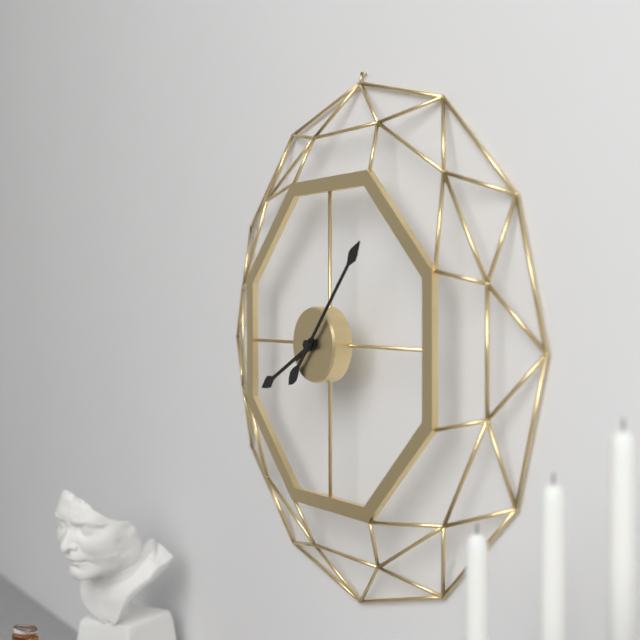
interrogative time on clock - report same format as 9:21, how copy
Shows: 8:07
